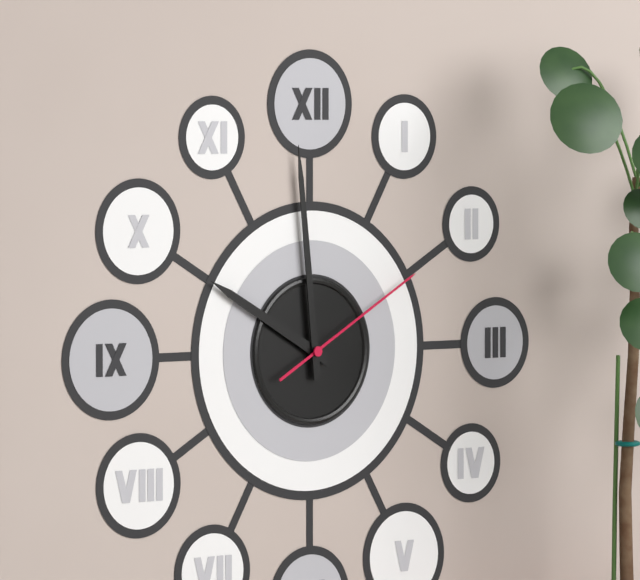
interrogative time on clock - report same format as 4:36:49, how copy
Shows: 9:59:10
